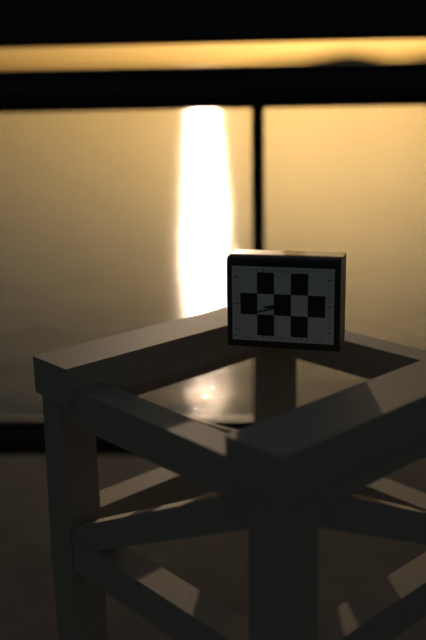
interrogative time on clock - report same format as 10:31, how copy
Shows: 8:42
